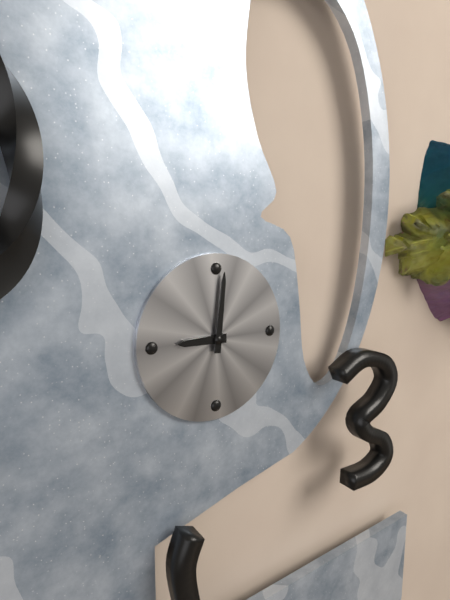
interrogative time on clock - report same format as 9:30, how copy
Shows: 9:01
